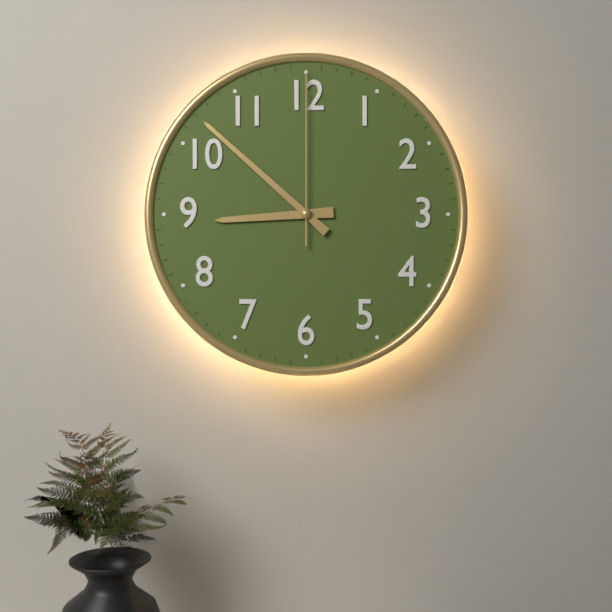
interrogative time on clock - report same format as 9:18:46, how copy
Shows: 8:52:00
